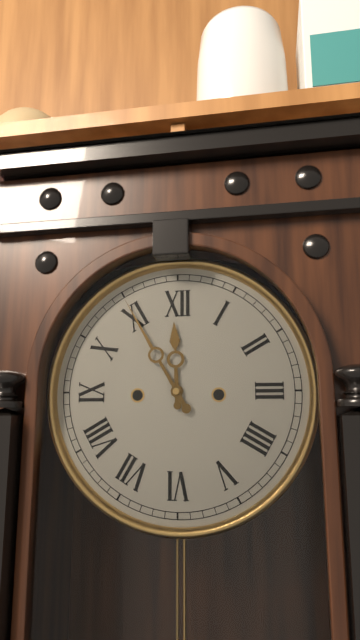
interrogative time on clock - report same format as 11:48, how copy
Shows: 11:55
